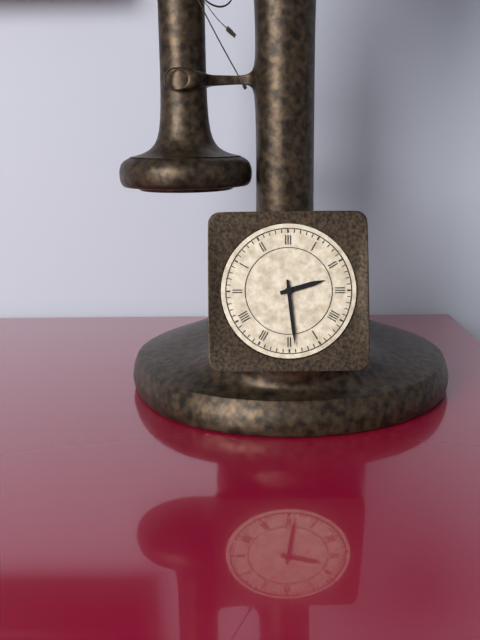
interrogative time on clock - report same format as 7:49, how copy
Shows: 2:29
